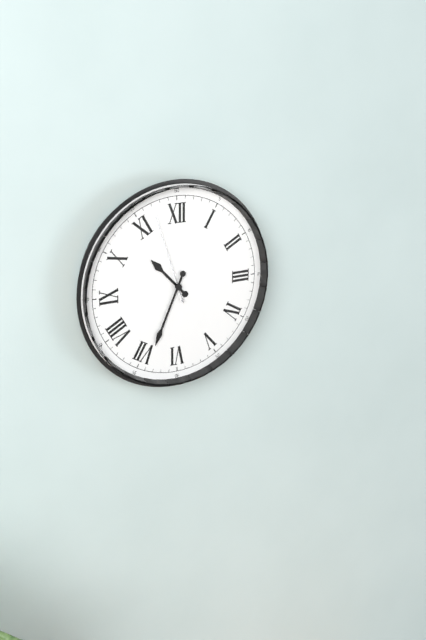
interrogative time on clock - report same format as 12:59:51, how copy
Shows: 10:34:57
